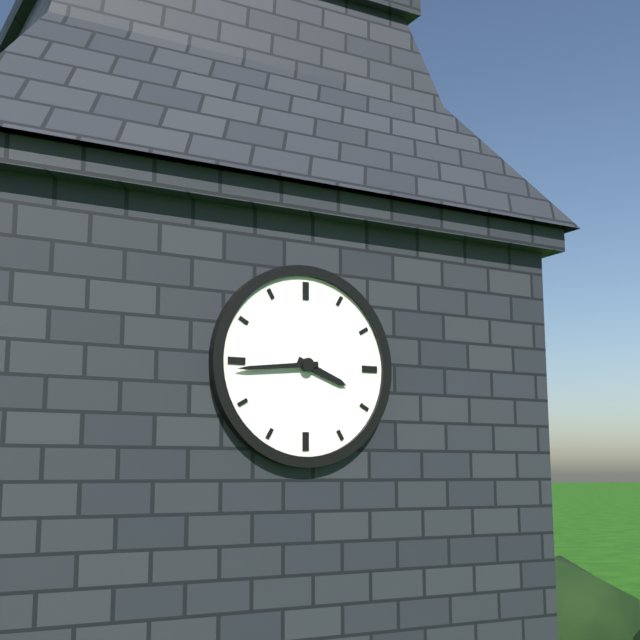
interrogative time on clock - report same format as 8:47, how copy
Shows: 3:44
